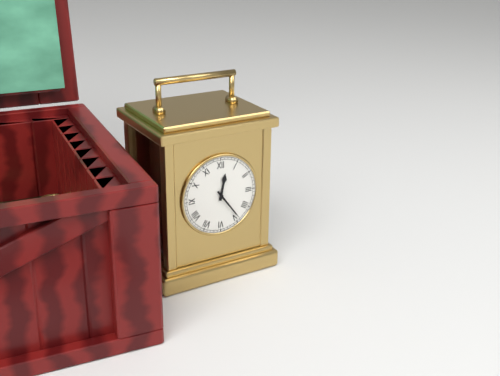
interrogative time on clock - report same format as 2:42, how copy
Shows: 12:24
